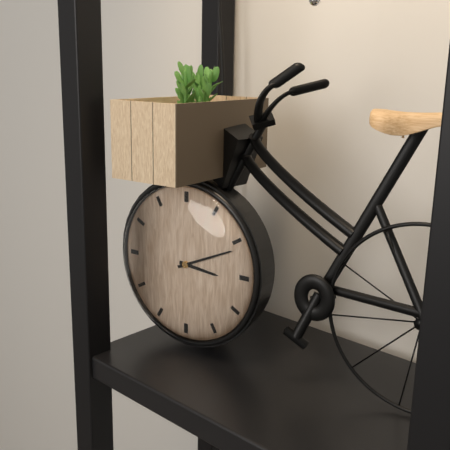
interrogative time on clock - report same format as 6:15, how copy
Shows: 3:11
